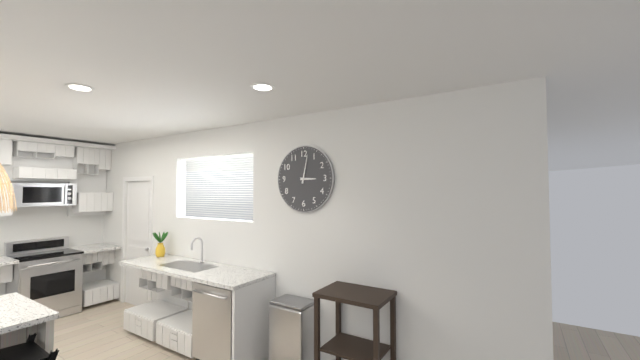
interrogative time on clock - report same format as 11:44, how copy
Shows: 3:02
